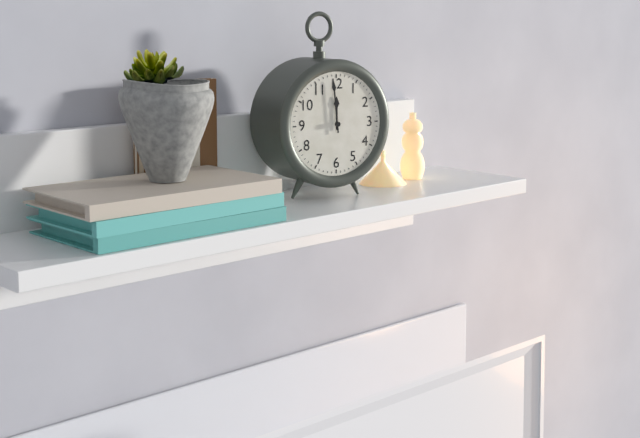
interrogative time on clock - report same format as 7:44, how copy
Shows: 11:59
